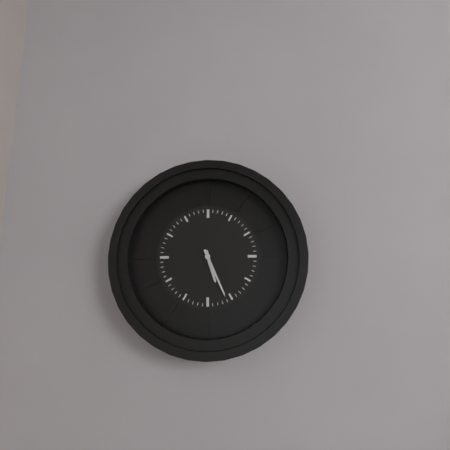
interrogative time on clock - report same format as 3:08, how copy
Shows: 5:26
